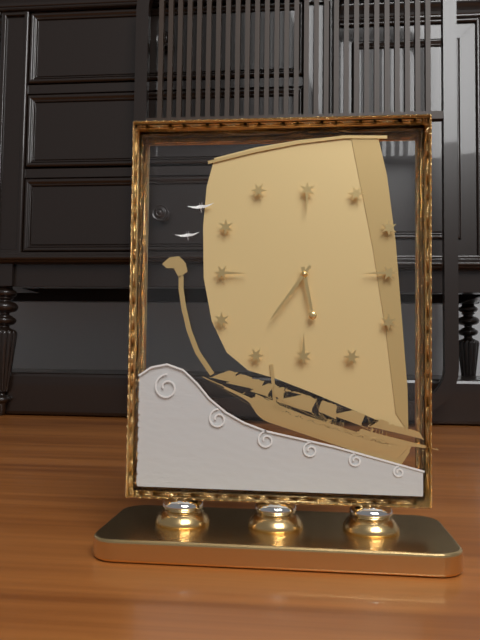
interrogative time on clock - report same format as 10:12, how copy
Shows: 5:36
